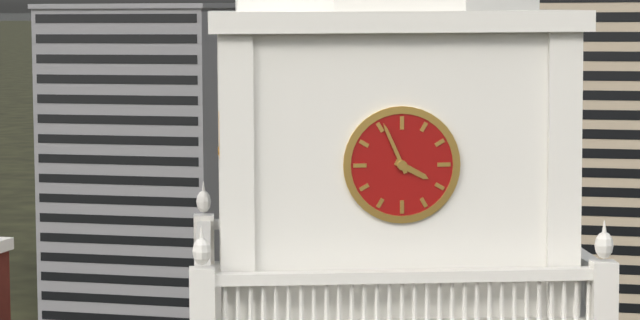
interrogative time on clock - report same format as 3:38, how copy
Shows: 3:56
